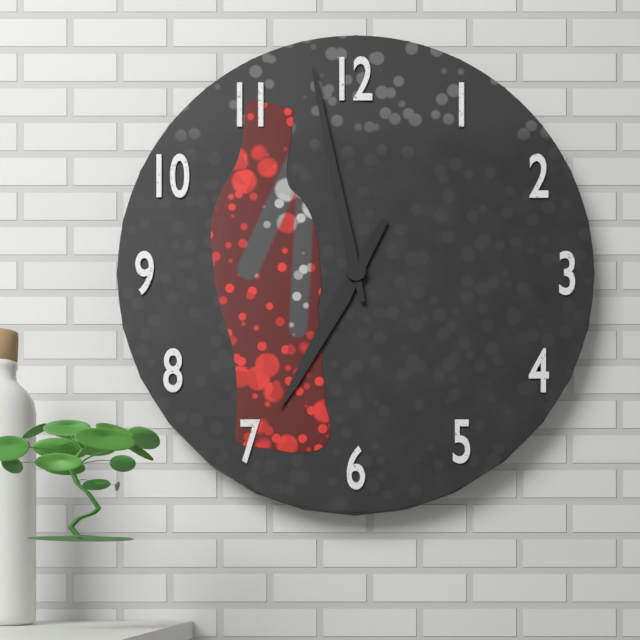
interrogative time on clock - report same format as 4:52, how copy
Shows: 6:58
